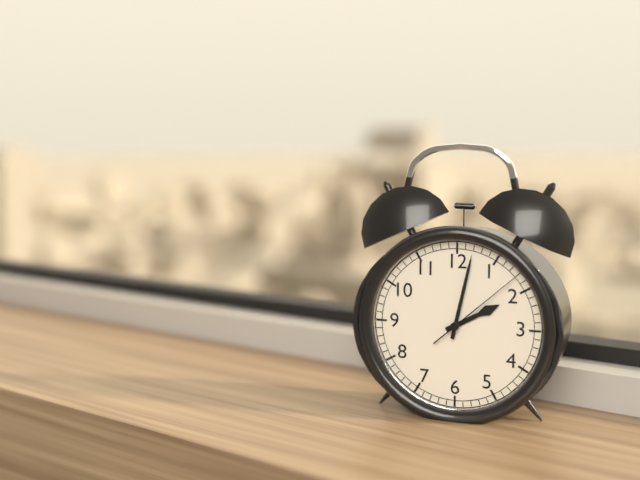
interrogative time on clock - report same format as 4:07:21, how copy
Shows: 2:02:08
